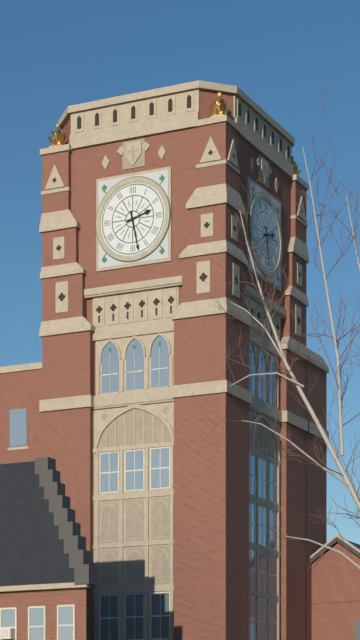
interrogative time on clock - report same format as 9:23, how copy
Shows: 2:28
